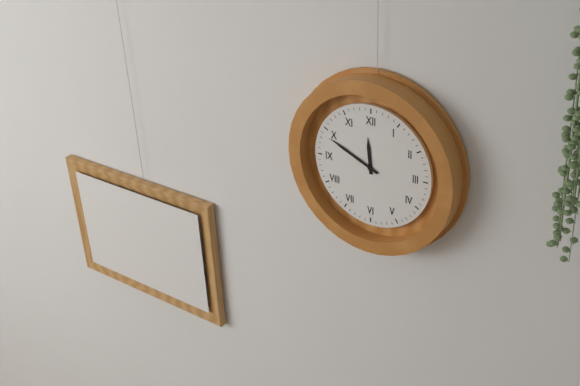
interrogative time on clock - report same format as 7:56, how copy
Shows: 11:49
